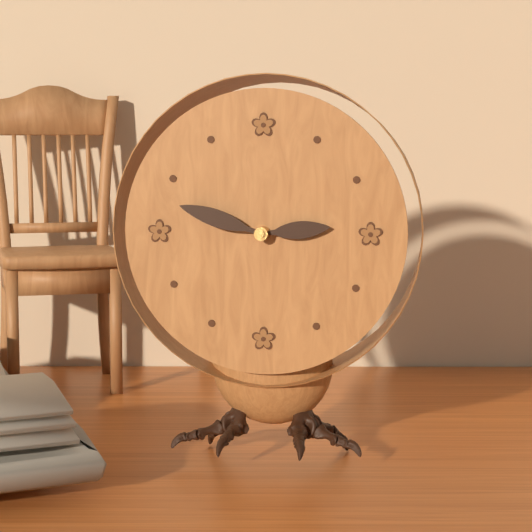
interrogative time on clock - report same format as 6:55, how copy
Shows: 2:48
